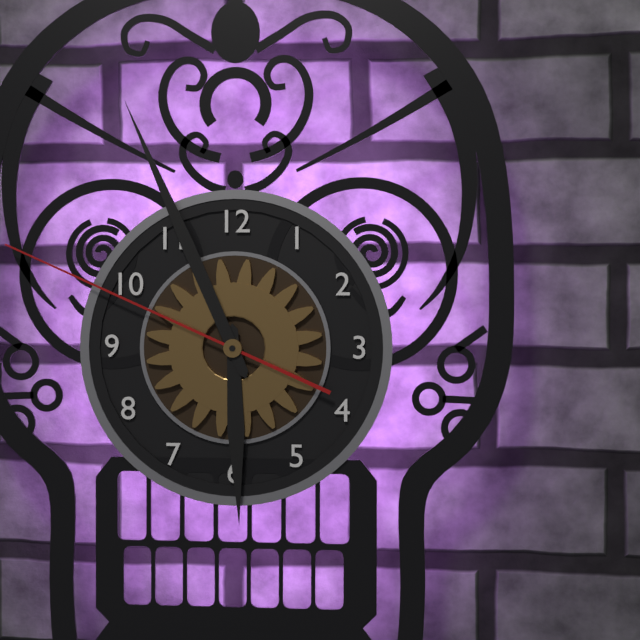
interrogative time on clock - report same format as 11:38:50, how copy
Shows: 5:56:49
